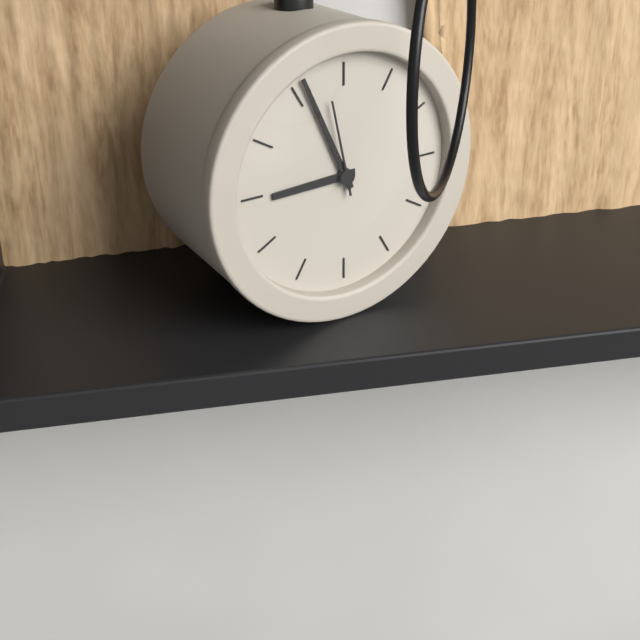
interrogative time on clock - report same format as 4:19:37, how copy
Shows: 8:56:58
